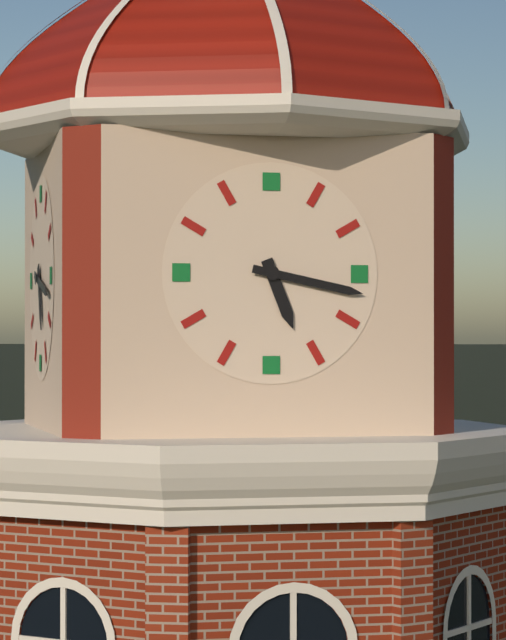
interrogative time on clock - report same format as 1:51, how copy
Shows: 5:17
